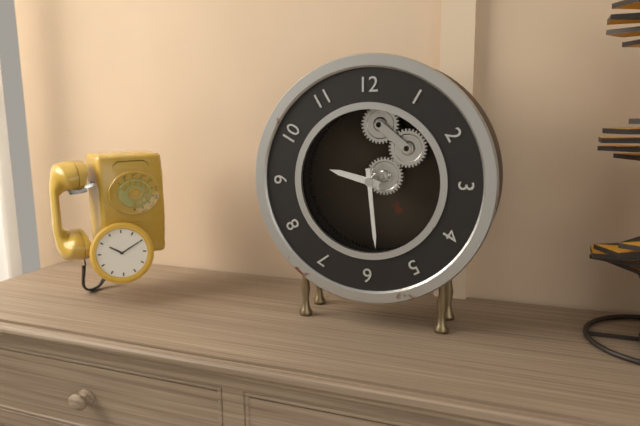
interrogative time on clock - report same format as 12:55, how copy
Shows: 9:29
